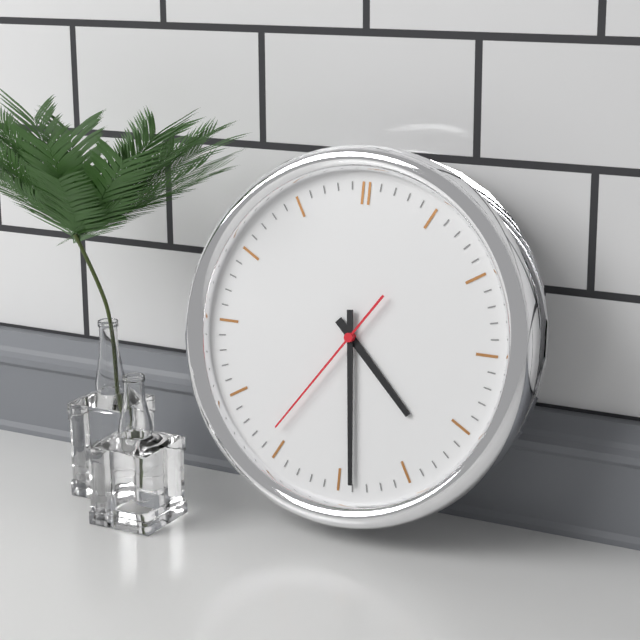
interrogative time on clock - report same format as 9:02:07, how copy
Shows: 4:29:36
